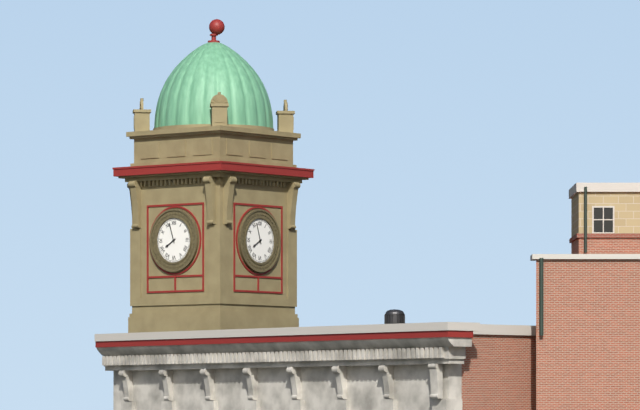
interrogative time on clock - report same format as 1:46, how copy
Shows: 7:57
